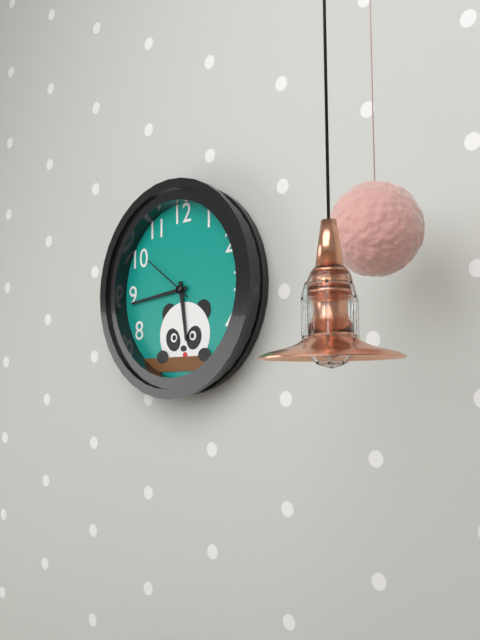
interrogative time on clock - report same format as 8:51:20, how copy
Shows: 5:44:51
